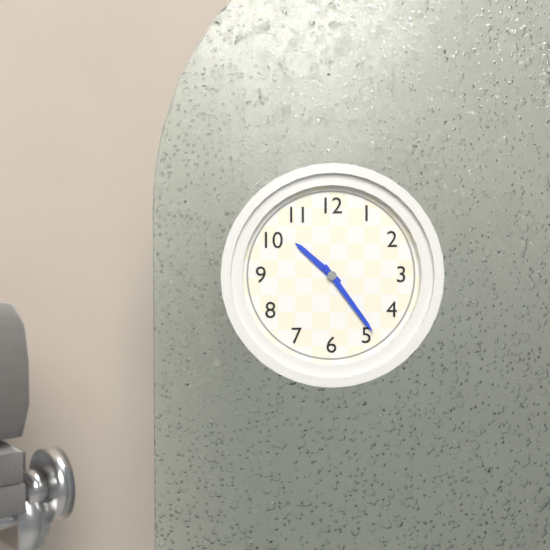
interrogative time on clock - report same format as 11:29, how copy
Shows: 10:24
